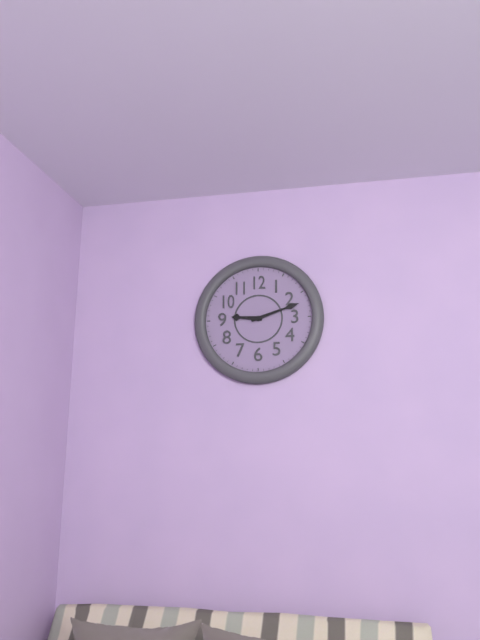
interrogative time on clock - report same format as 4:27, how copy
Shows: 9:12
